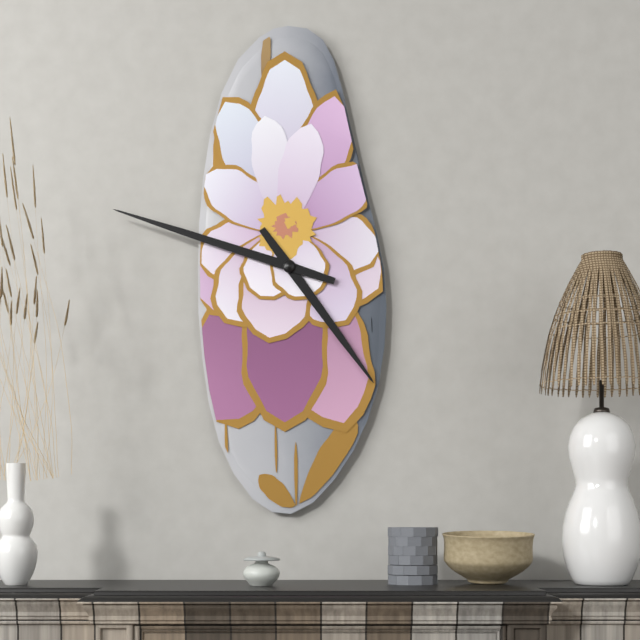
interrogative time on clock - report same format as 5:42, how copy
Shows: 4:48
